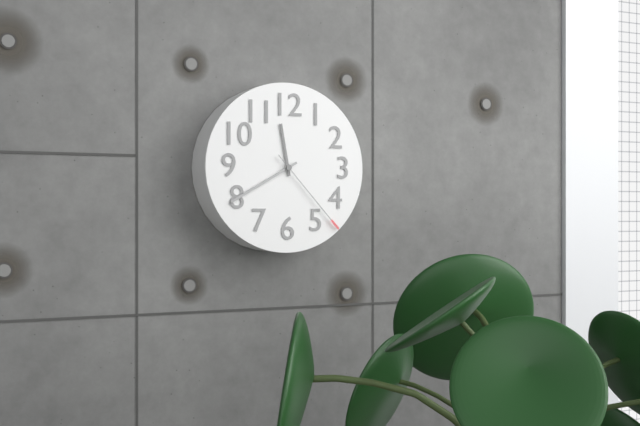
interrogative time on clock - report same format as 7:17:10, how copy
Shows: 11:40:23
